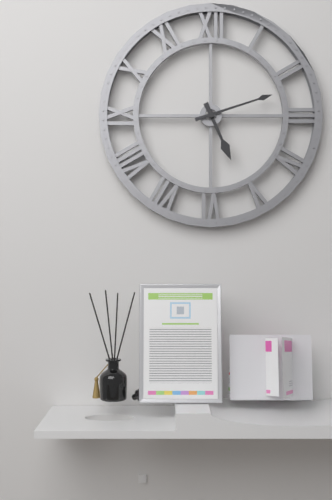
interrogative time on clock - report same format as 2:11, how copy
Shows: 5:12
